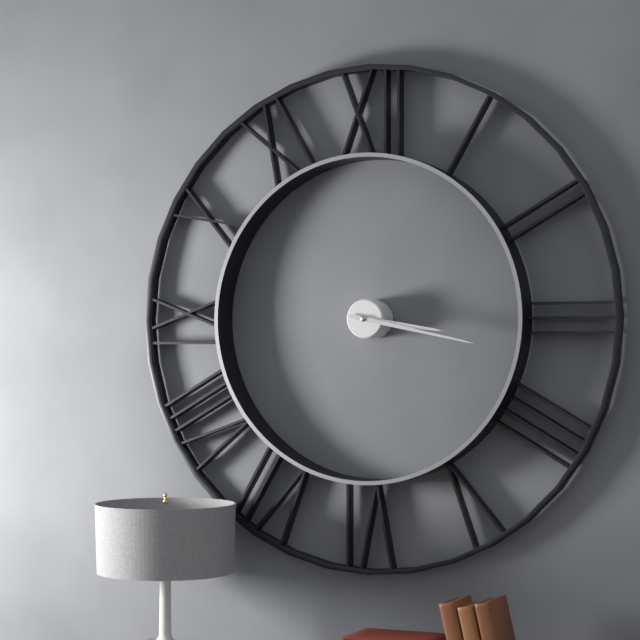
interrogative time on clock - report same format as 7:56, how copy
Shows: 3:17
